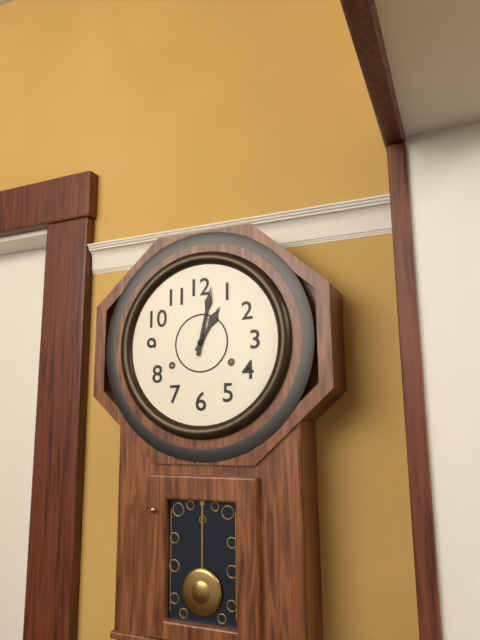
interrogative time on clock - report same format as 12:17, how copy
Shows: 1:02
